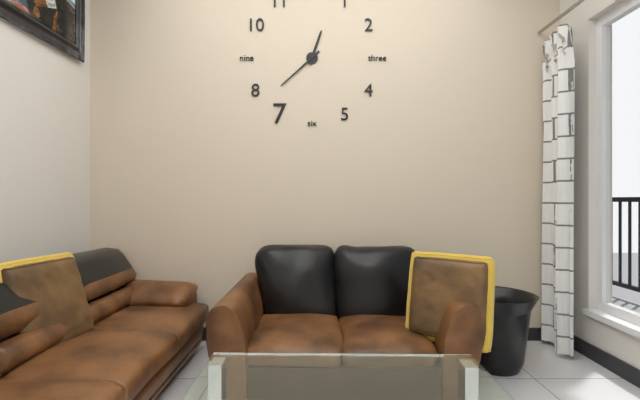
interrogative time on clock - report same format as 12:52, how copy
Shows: 12:38
